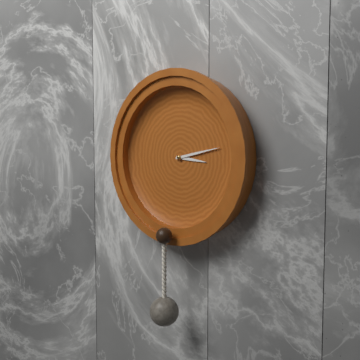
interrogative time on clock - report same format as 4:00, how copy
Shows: 3:13
